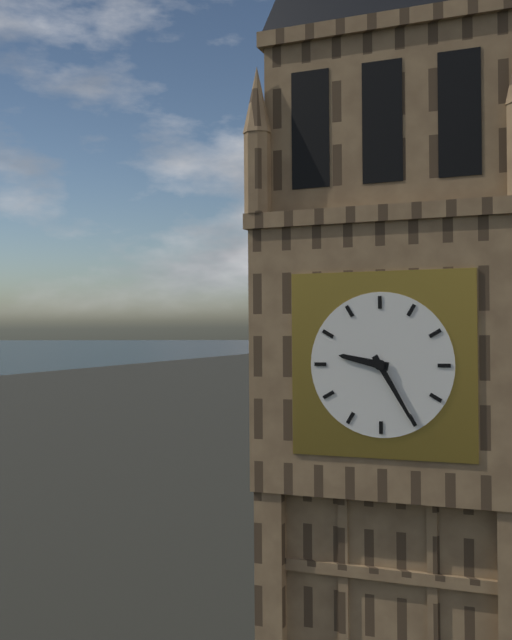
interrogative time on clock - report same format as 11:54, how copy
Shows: 9:25
